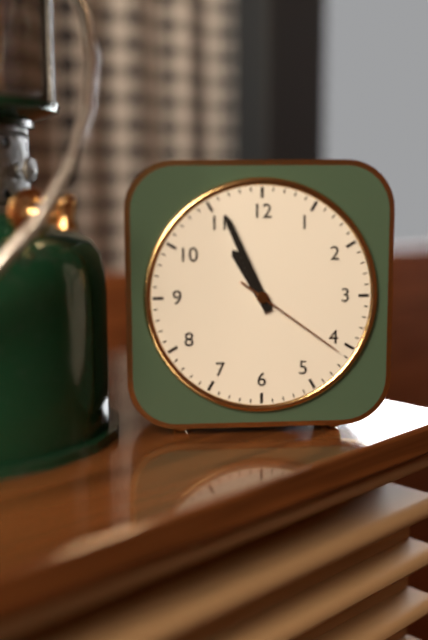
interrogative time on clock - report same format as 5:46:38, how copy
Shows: 10:56:21
